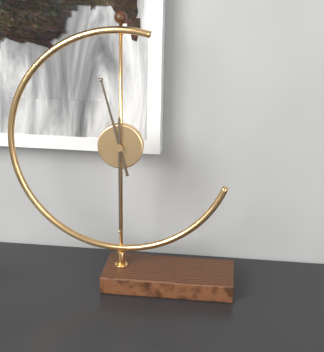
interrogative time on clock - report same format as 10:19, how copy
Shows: 11:30
